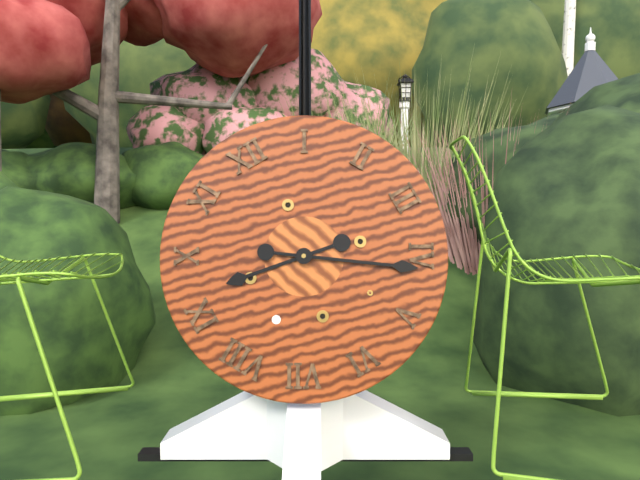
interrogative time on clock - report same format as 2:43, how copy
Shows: 9:21
